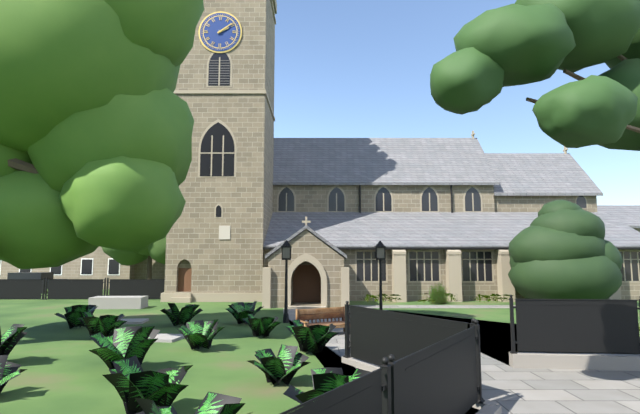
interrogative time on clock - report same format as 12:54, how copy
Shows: 2:09
